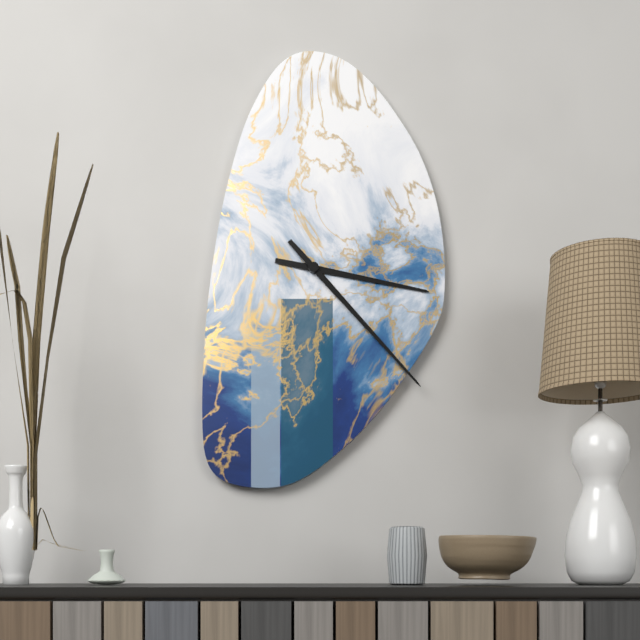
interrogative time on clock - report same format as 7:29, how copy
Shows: 3:23
